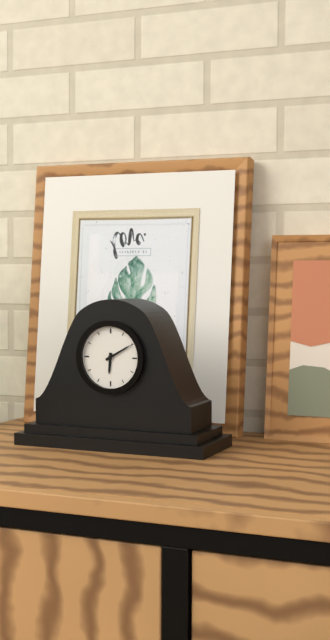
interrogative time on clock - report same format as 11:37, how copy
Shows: 6:10
